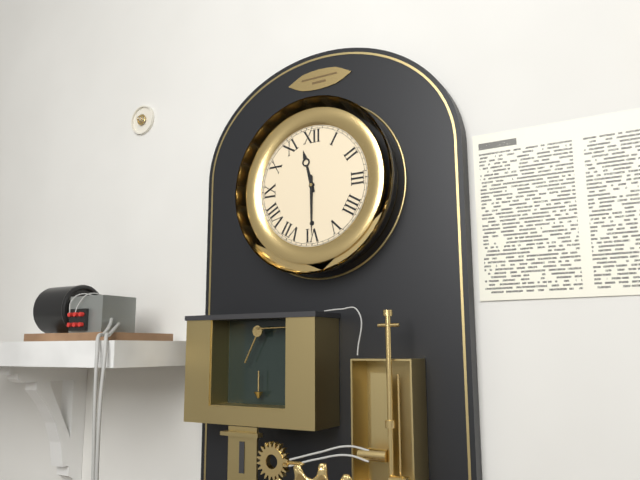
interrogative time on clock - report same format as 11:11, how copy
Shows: 11:30
